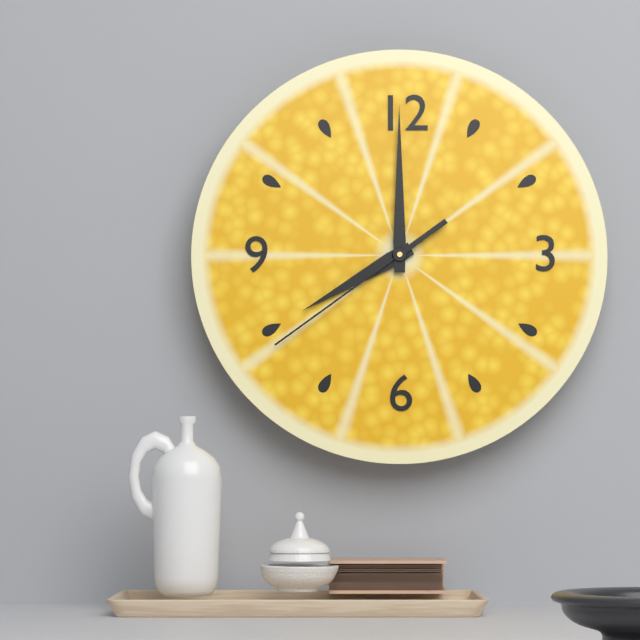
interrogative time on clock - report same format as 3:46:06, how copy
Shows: 8:00:39
